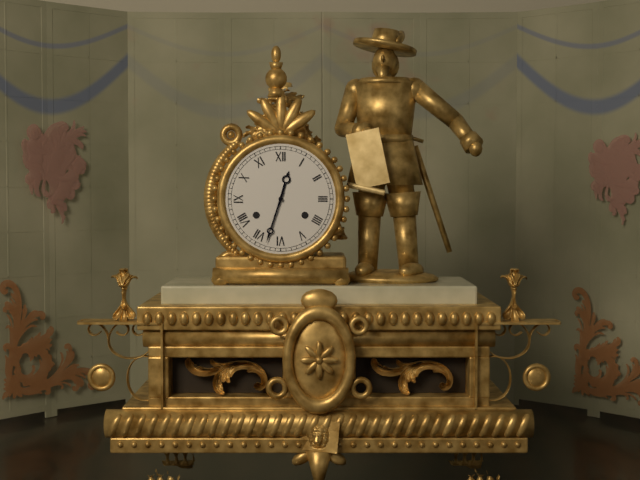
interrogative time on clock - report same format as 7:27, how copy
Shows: 12:33
